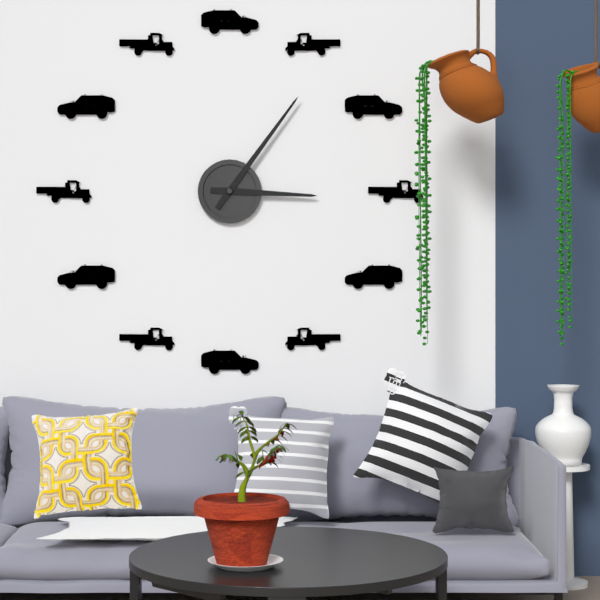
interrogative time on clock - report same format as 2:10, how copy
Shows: 3:06
